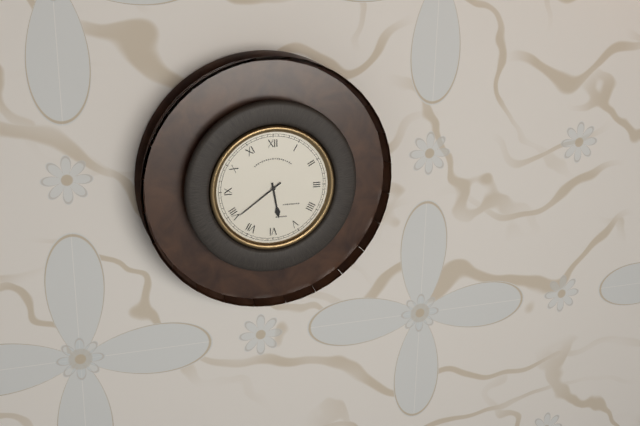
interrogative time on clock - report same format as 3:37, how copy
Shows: 5:39
